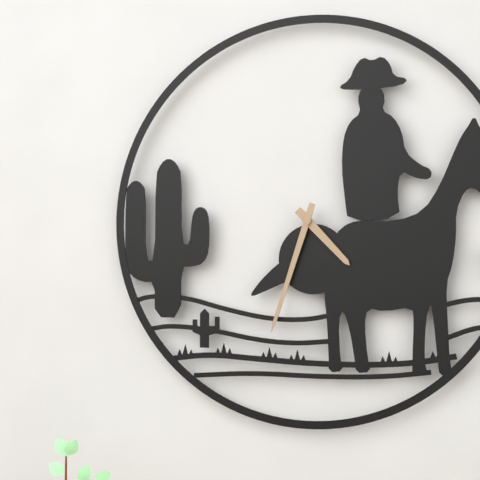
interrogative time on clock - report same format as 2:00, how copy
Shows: 4:33
